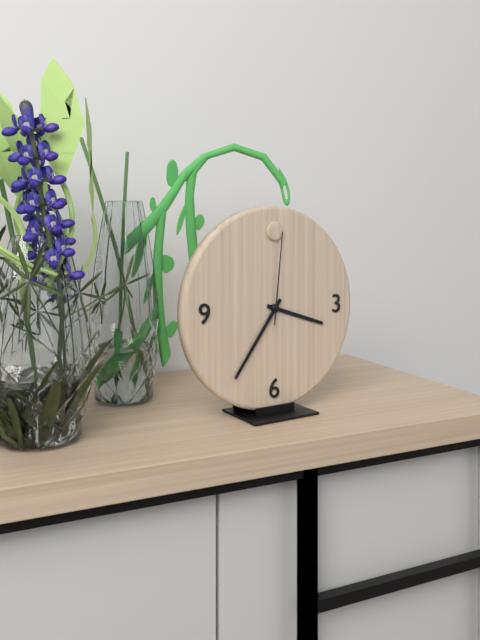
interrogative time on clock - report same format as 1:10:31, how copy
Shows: 3:36:01
